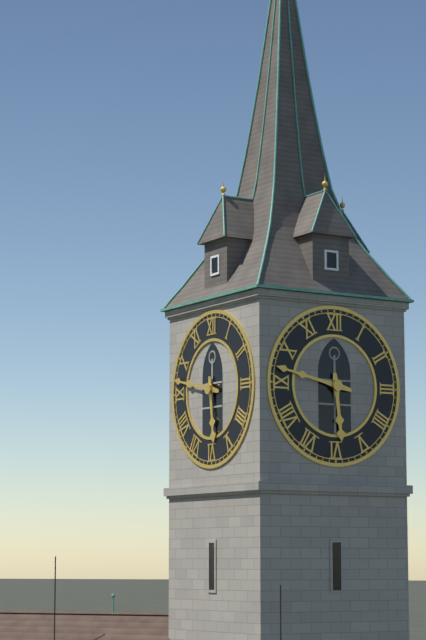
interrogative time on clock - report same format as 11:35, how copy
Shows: 5:47
